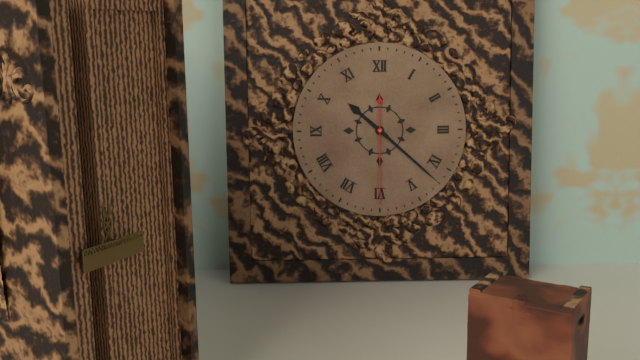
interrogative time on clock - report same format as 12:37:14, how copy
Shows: 10:22:30
